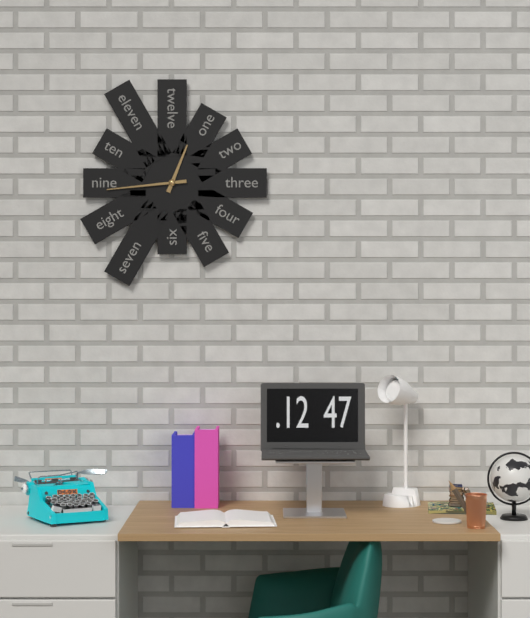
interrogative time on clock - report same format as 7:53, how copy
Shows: 12:44
